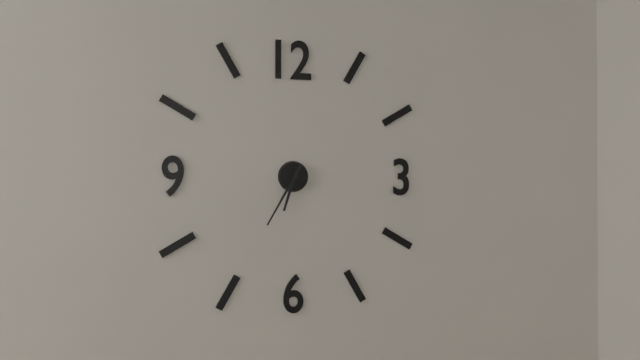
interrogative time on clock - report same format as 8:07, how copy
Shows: 6:35
